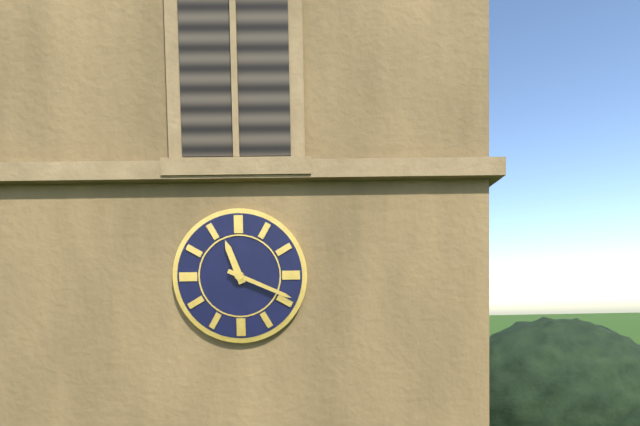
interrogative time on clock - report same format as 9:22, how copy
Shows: 11:19
